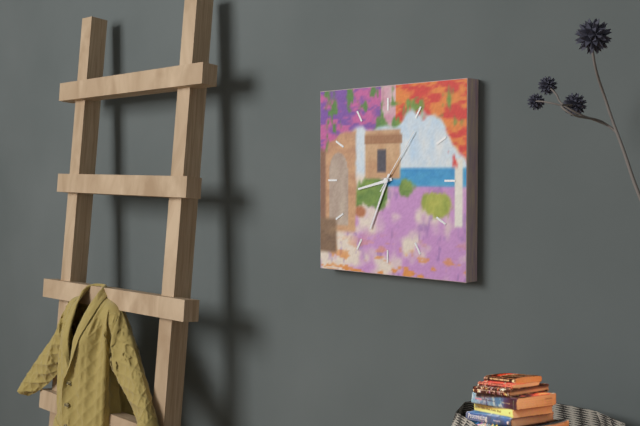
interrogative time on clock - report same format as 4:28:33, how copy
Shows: 8:34:06
